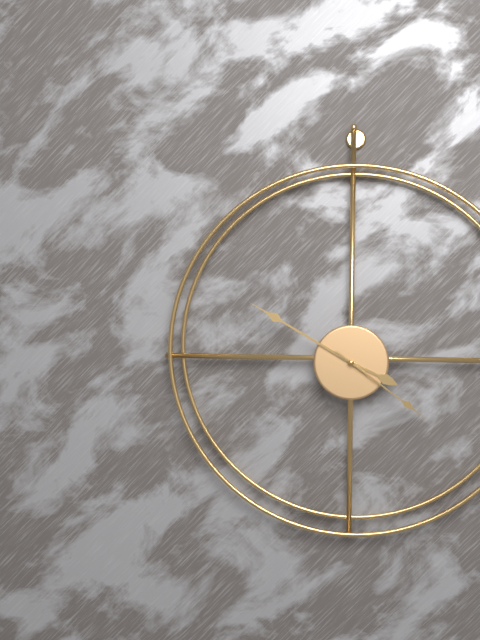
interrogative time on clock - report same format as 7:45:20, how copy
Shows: 3:50:21
